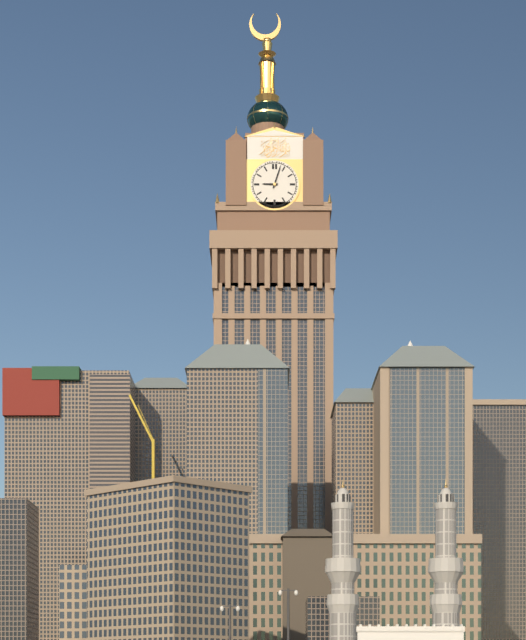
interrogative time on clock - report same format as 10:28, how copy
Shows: 9:03
